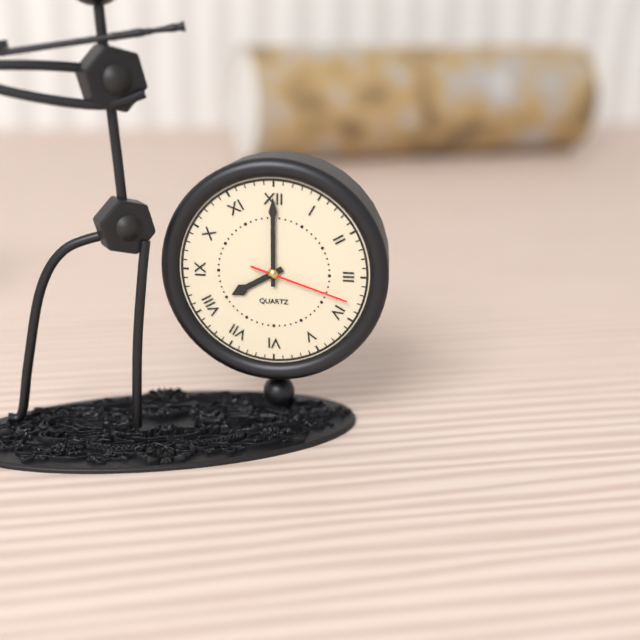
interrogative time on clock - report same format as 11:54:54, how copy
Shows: 8:00:18
